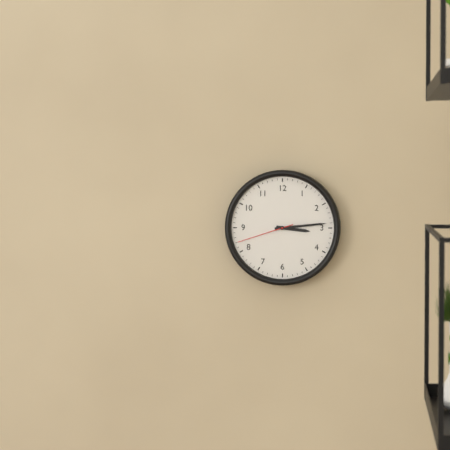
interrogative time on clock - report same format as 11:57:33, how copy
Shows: 3:14:42
